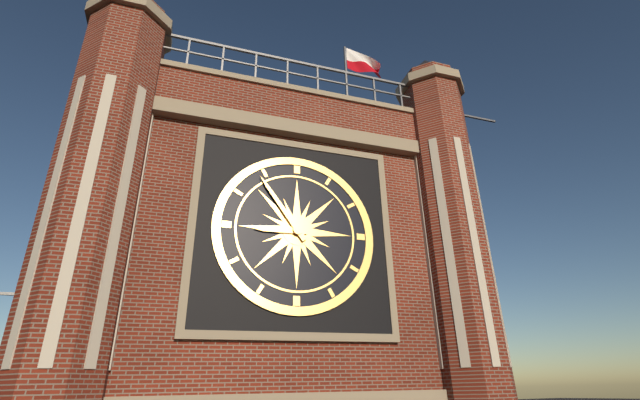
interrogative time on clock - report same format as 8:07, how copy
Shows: 8:54
